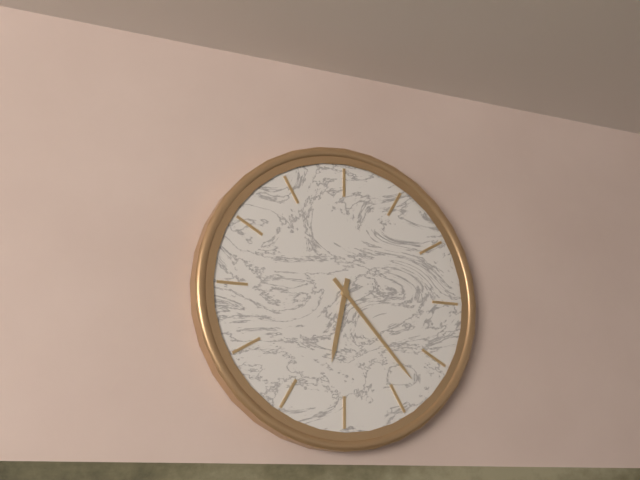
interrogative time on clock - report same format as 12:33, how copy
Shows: 6:23
